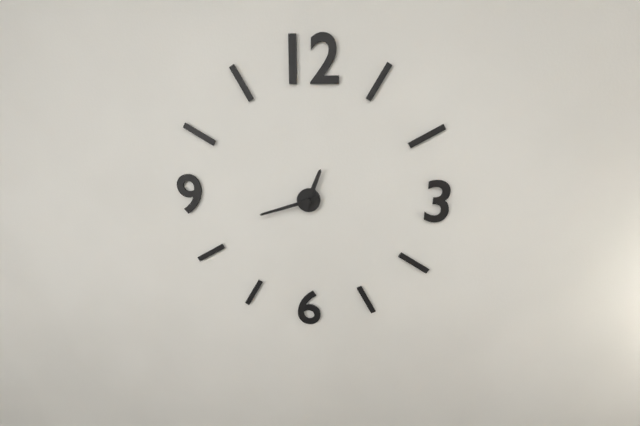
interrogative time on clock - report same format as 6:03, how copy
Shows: 12:42
